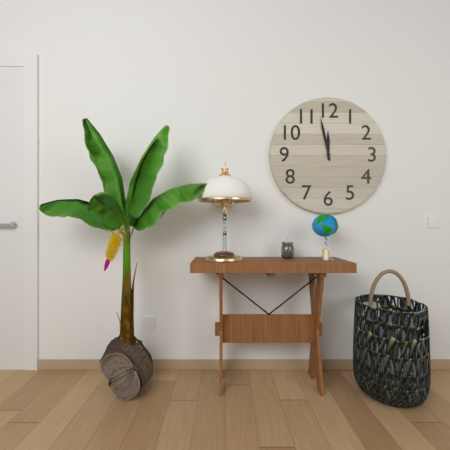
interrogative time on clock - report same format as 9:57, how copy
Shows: 11:58
